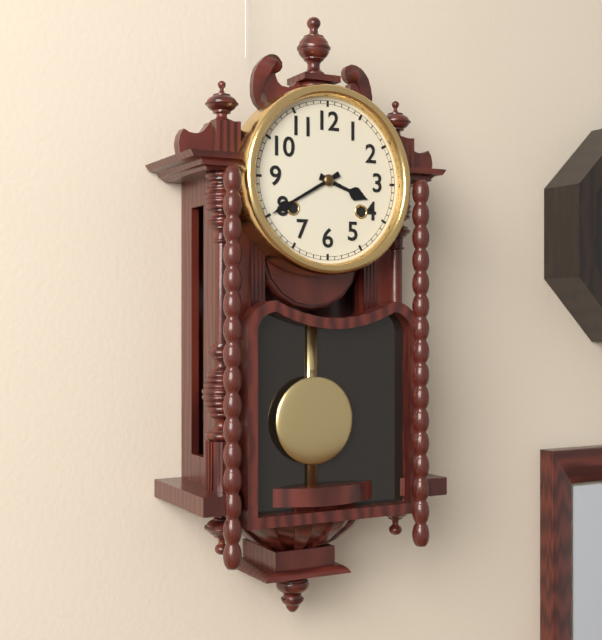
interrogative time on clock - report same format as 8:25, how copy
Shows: 3:40
